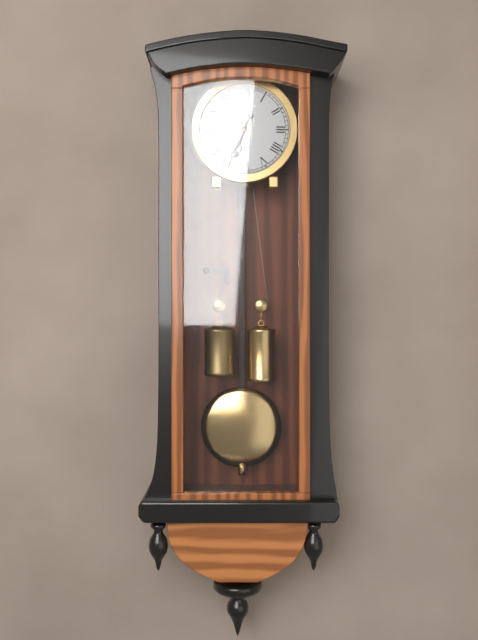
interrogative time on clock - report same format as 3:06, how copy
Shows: 6:34
